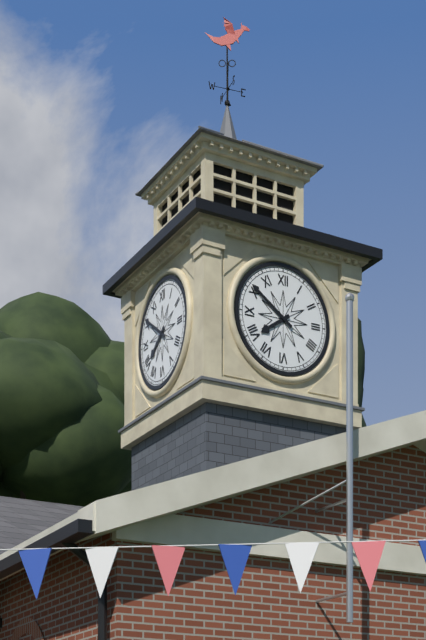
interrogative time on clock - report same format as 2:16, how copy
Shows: 7:51
